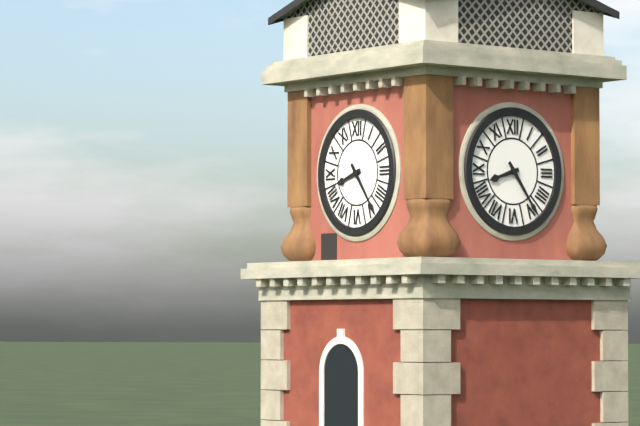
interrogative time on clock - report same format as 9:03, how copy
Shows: 8:24
